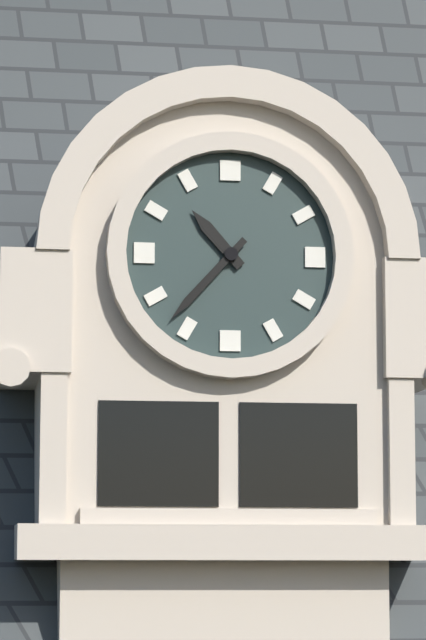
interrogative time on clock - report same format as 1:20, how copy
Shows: 10:37
